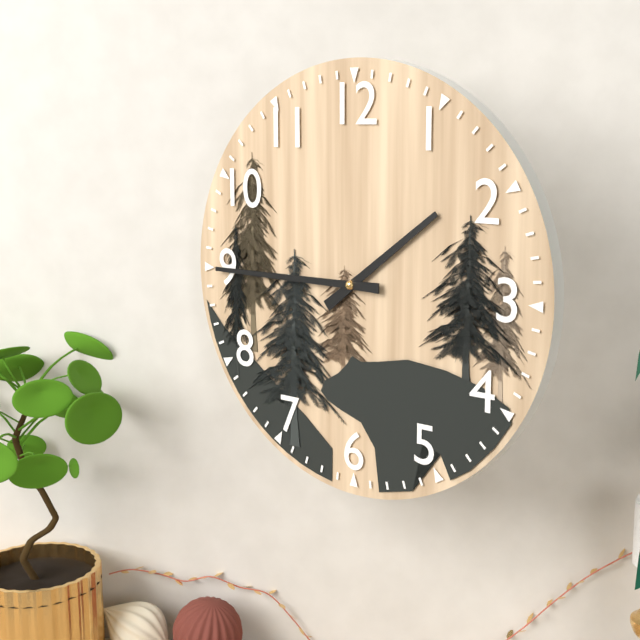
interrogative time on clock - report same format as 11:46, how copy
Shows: 1:45
